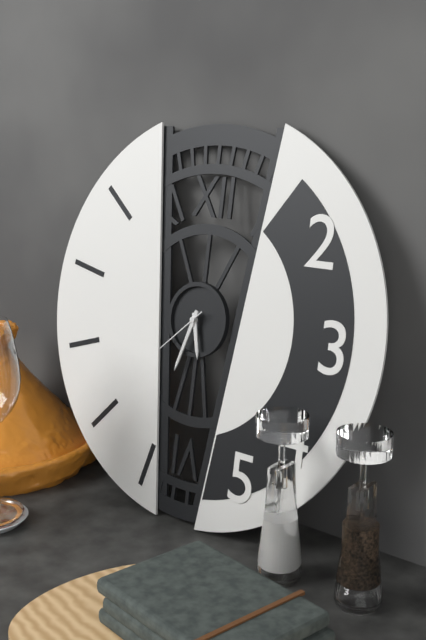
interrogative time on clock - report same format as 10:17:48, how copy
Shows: 5:33:38
